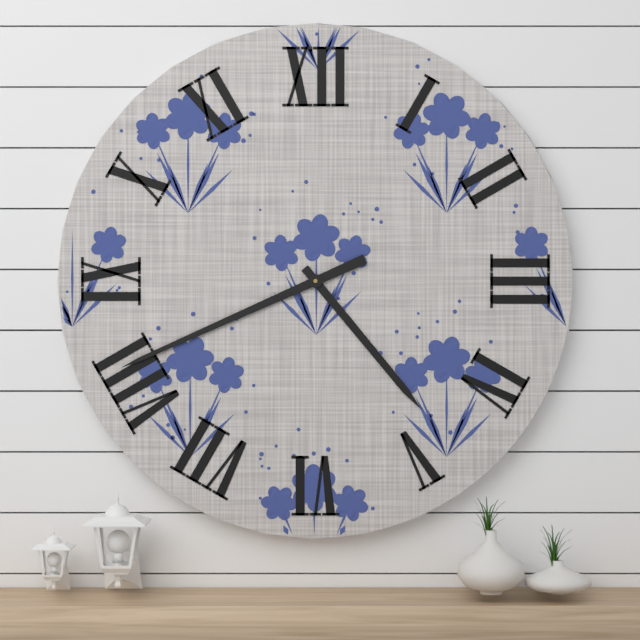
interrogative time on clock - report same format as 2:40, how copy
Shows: 4:41
